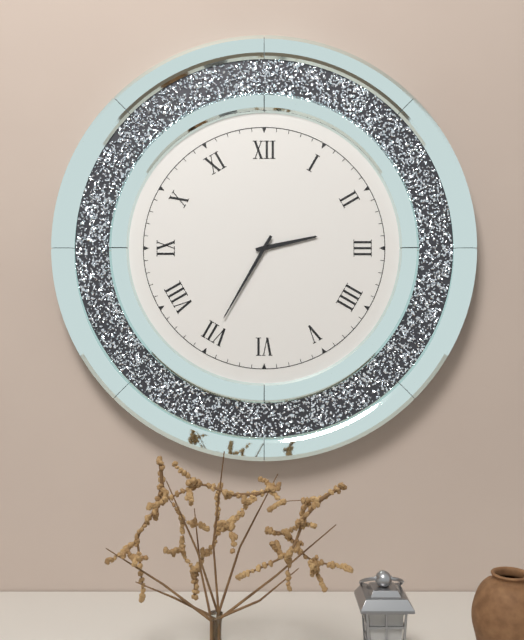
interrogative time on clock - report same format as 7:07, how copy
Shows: 2:35
